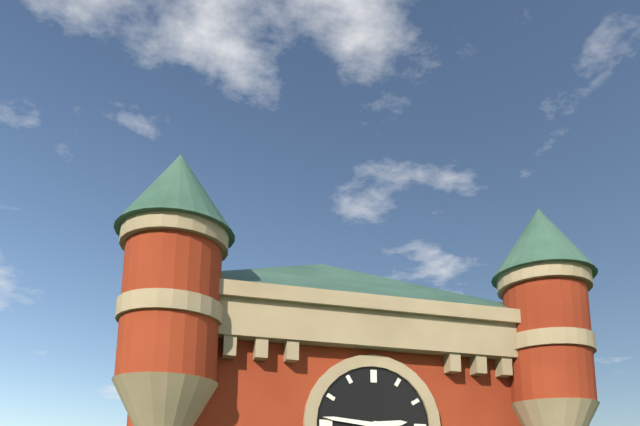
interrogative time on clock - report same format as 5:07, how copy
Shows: 2:46
